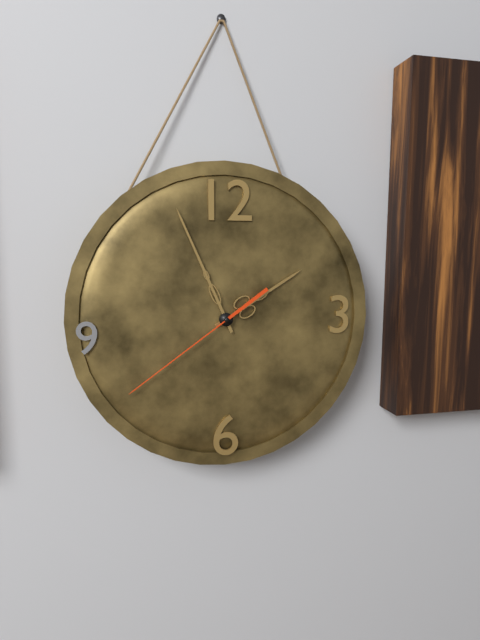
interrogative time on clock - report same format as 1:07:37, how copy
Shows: 1:56:39
